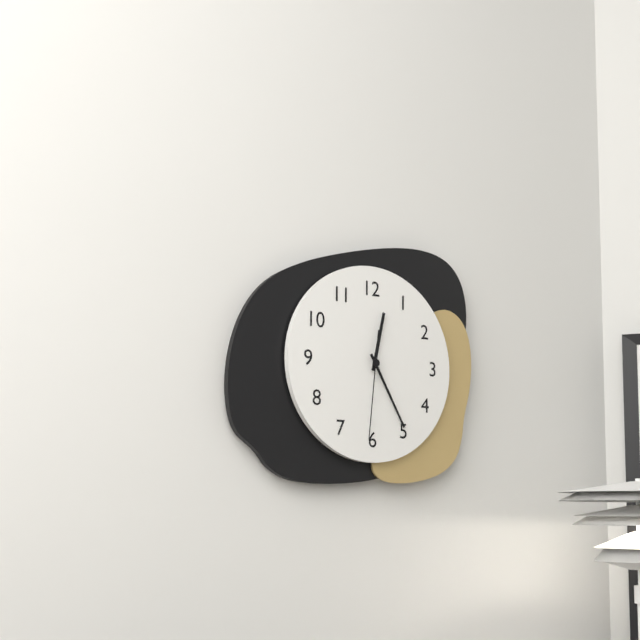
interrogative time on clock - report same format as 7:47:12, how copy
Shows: 12:25:31
